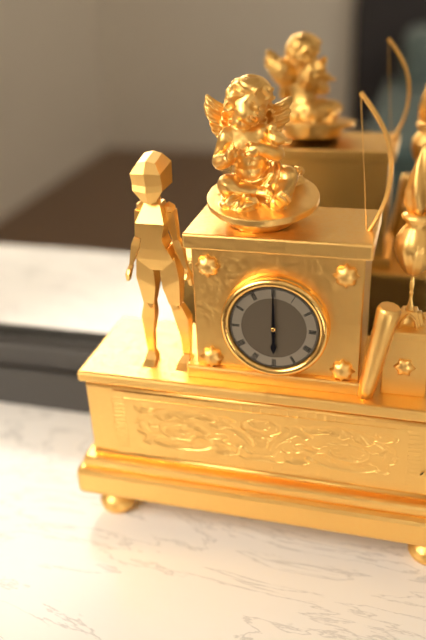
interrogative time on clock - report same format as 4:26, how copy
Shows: 6:00
